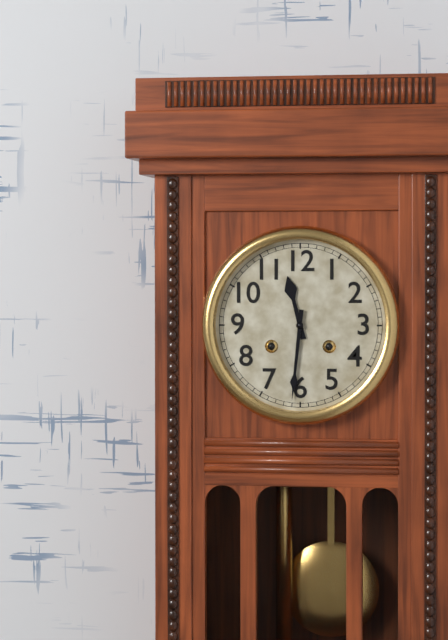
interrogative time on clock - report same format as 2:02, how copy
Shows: 11:31
